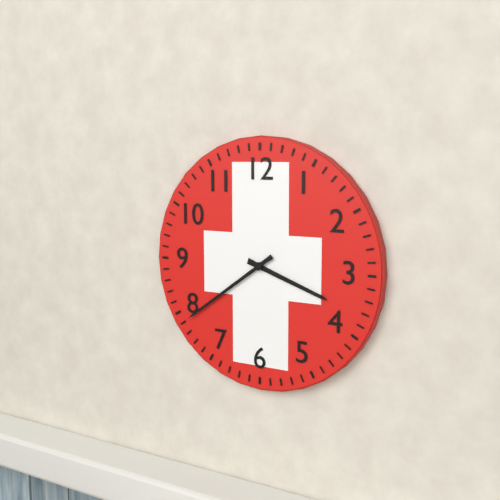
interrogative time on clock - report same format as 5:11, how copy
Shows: 3:39
